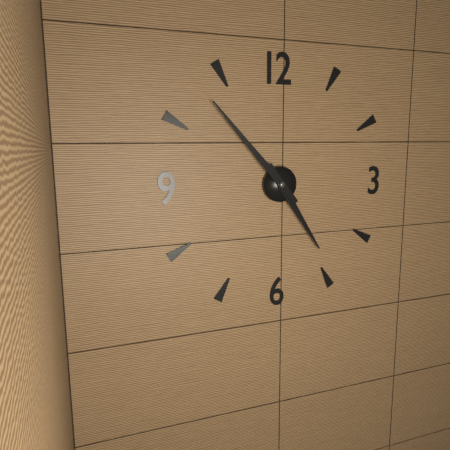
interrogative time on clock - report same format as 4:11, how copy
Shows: 4:53
